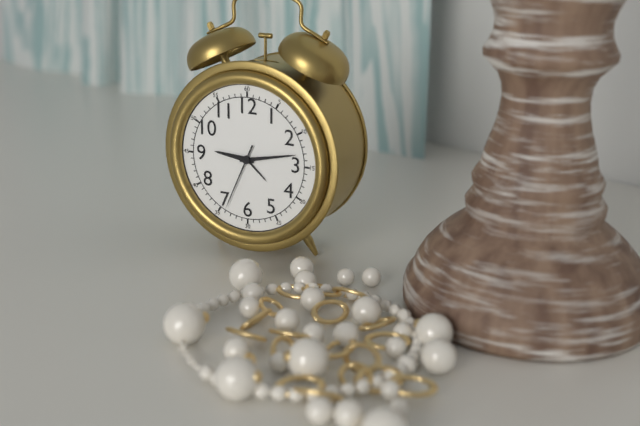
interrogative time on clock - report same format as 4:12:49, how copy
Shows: 9:13:34
